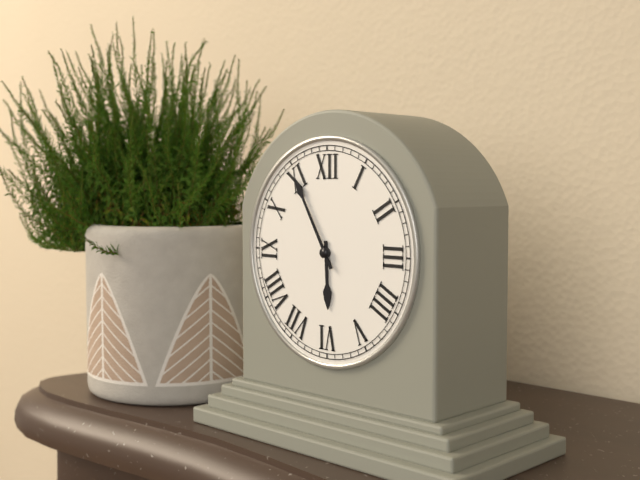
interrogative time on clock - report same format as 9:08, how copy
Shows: 5:55
